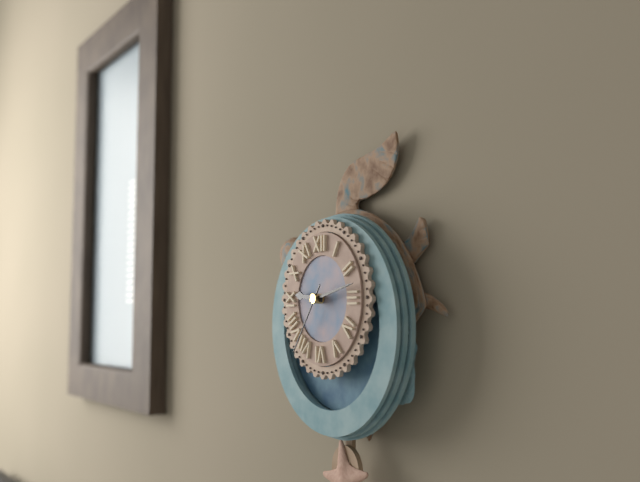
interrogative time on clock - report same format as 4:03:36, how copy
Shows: 9:13:36
